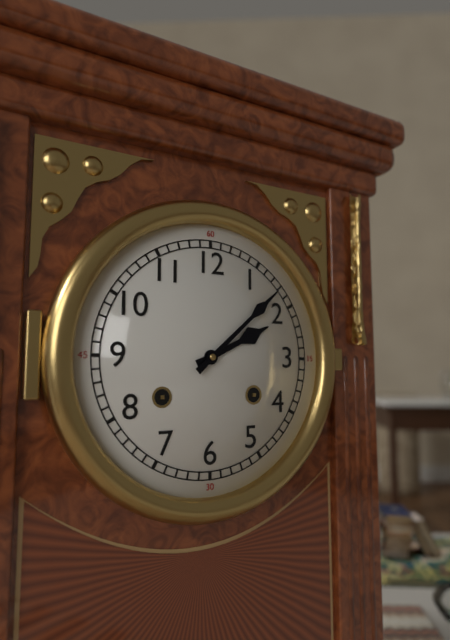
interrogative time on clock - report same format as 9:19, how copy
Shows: 2:08
